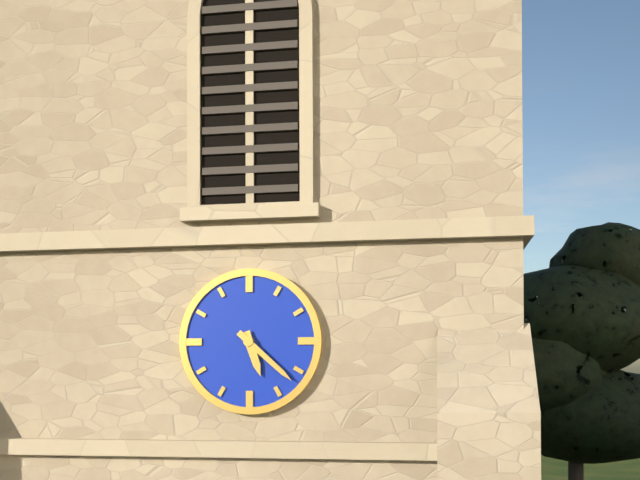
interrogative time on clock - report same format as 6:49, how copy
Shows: 5:22
